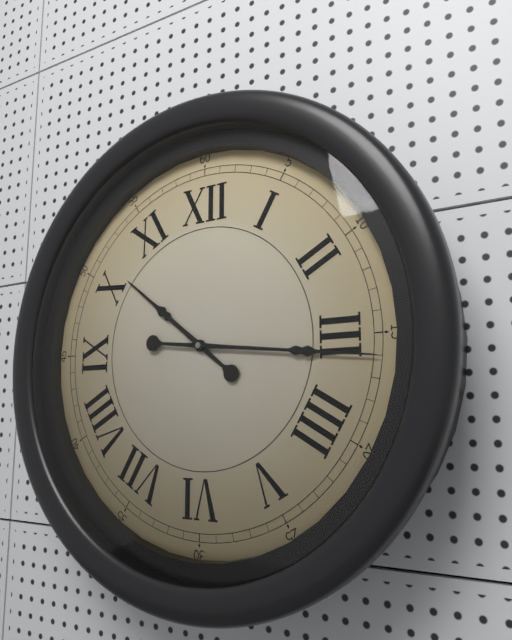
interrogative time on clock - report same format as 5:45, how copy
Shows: 10:16
